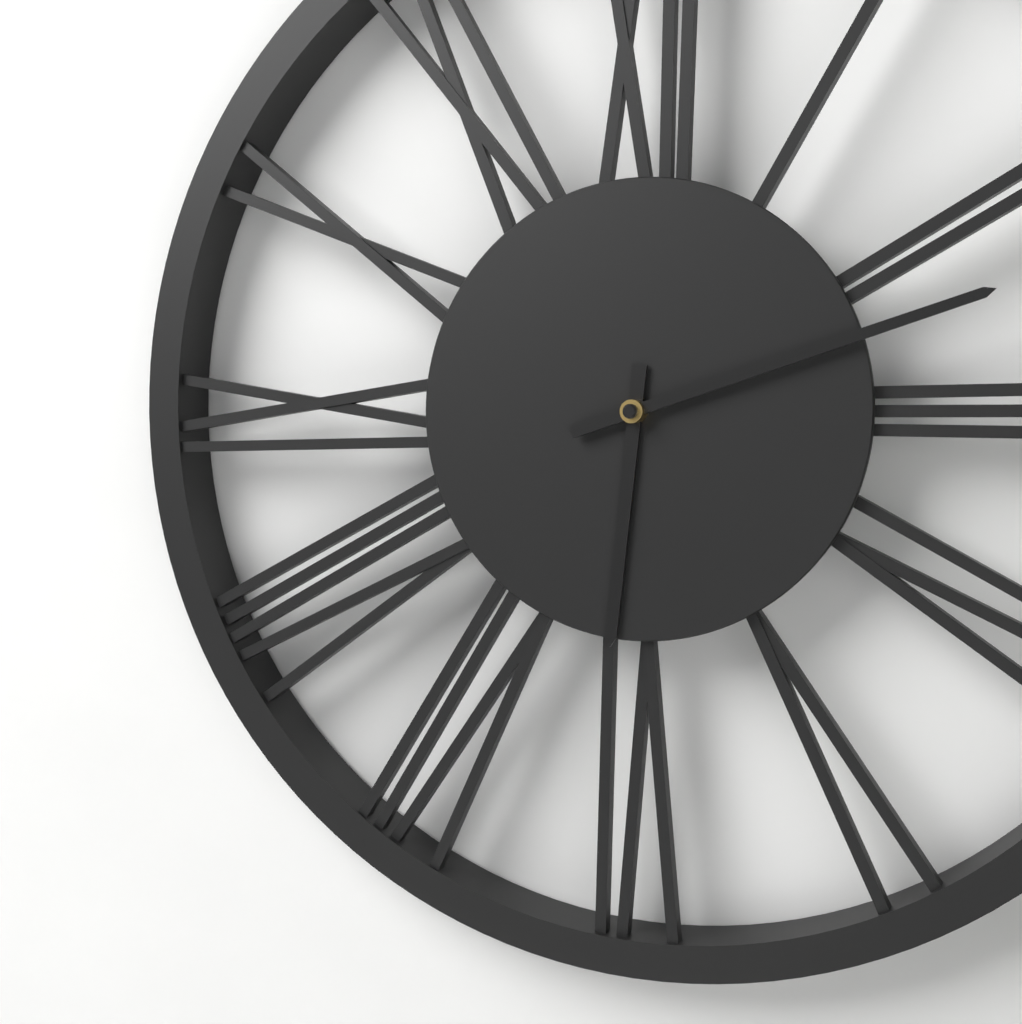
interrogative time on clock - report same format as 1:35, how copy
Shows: 6:12
